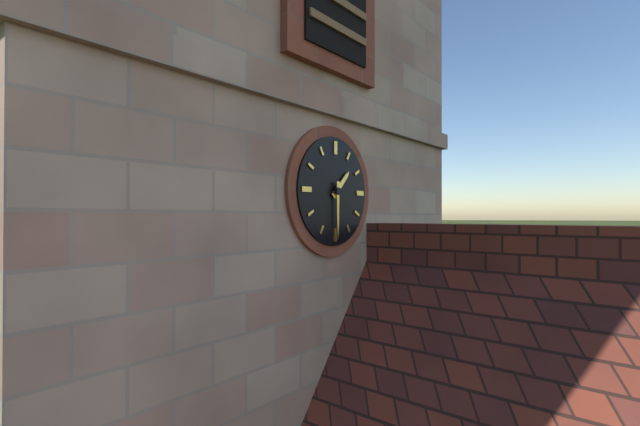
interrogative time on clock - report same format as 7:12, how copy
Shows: 1:30
